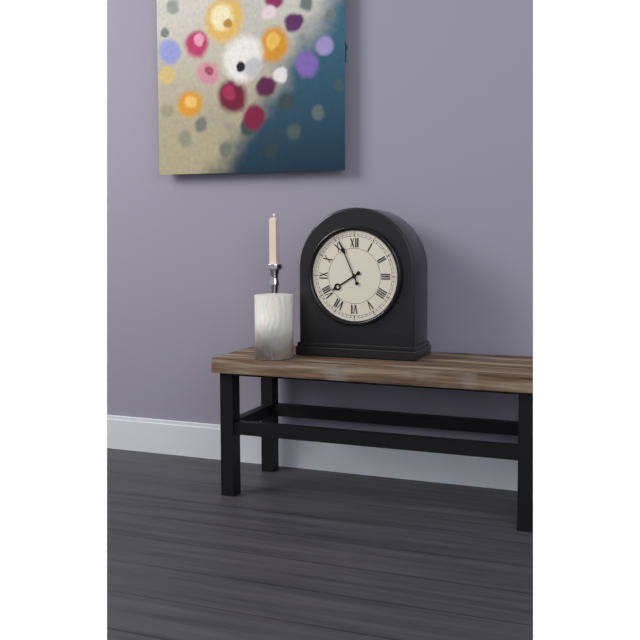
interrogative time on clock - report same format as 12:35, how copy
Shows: 7:56
